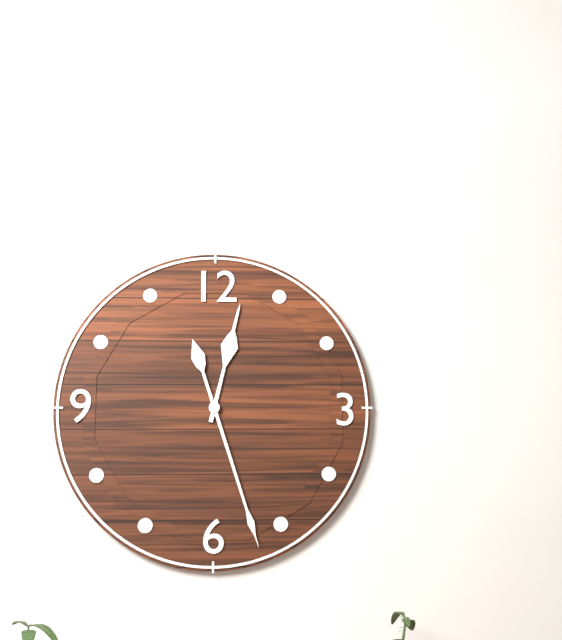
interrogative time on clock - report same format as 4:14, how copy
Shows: 12:27
